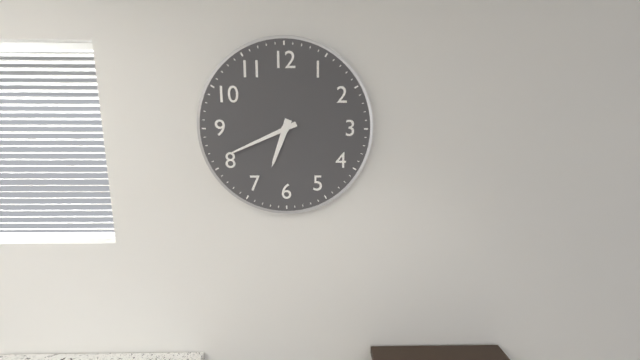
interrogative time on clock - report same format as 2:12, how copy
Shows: 6:41
